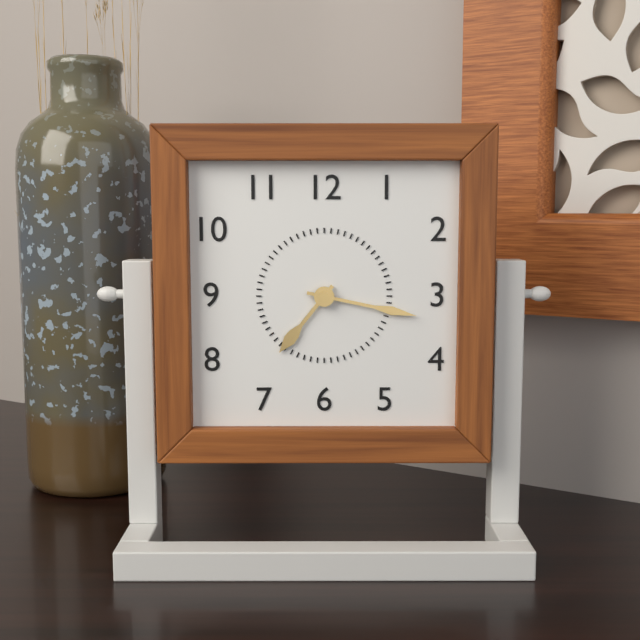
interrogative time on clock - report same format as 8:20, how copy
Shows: 7:17
